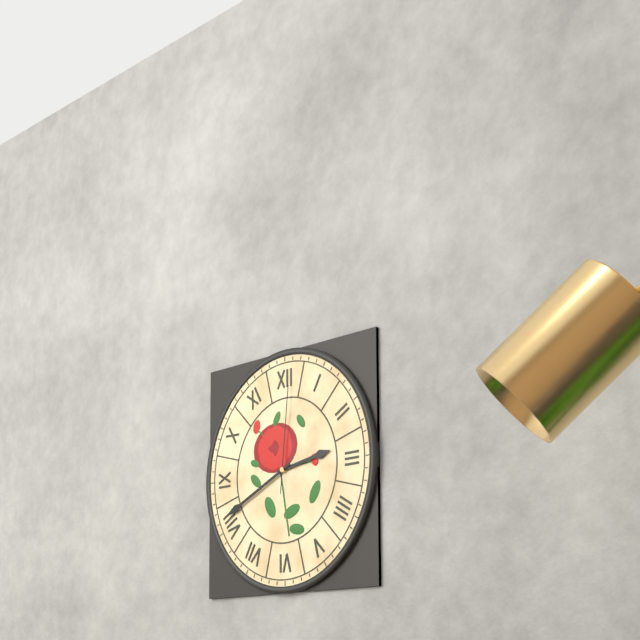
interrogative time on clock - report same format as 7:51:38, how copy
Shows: 2:41:01
